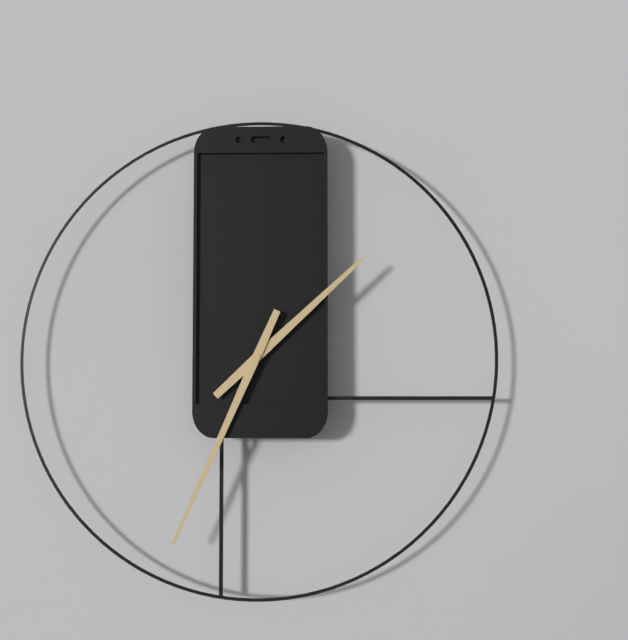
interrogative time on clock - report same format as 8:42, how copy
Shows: 1:34
